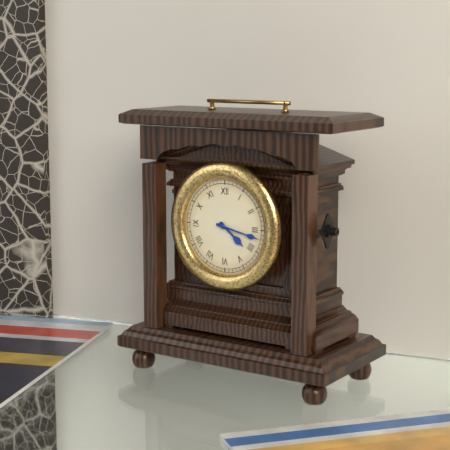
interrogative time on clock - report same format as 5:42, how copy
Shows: 4:17
